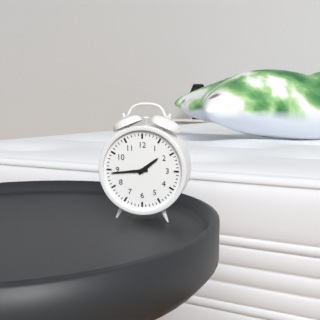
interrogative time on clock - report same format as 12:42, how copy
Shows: 1:44
